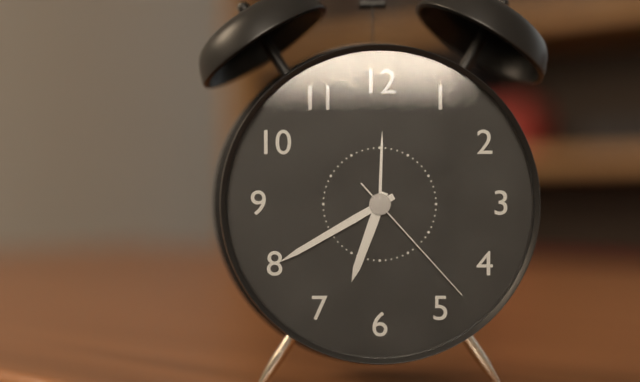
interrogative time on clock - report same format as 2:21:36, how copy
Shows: 6:40:23
